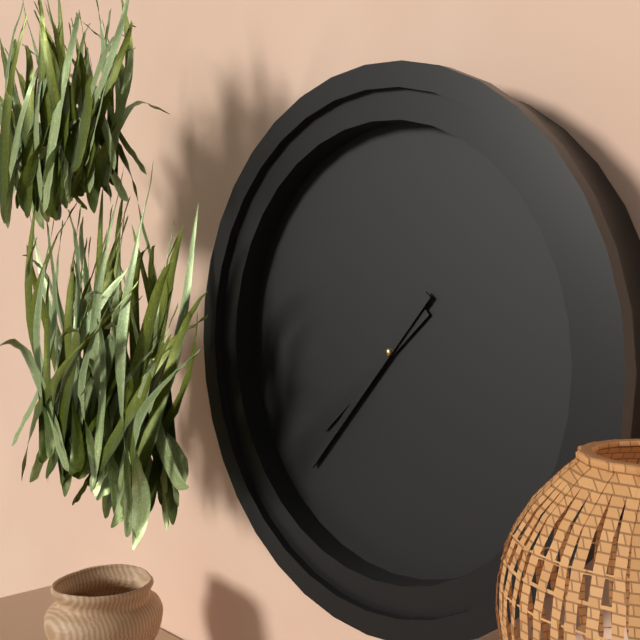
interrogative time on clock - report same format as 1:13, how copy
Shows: 7:37
